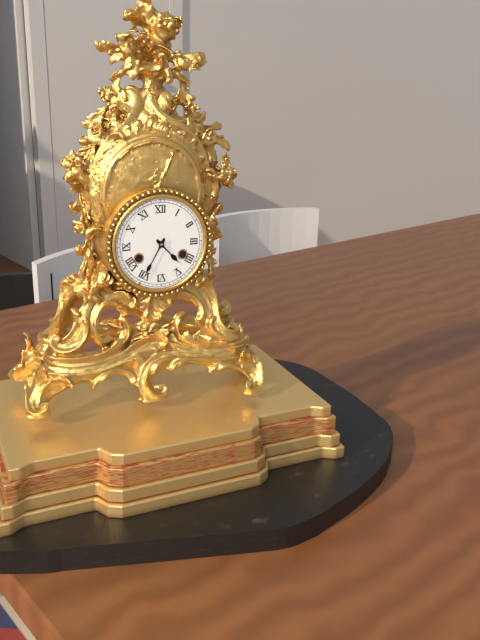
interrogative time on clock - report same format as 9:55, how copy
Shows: 4:35
